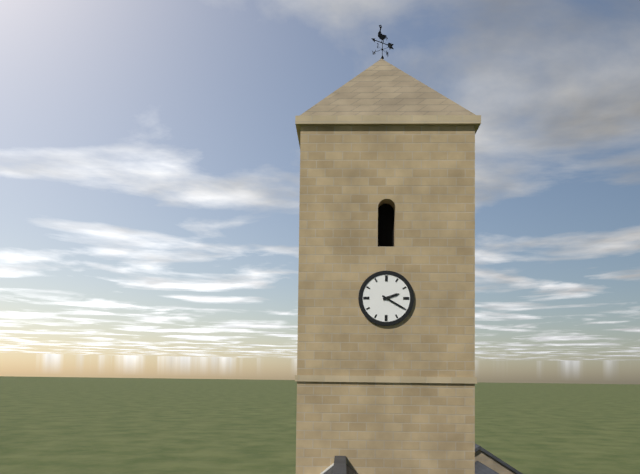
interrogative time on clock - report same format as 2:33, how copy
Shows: 2:20
